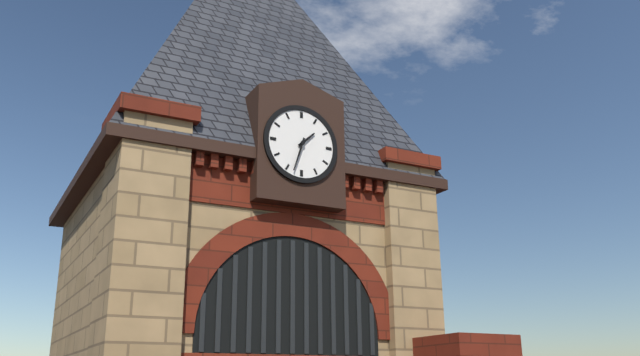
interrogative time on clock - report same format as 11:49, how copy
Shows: 1:33
